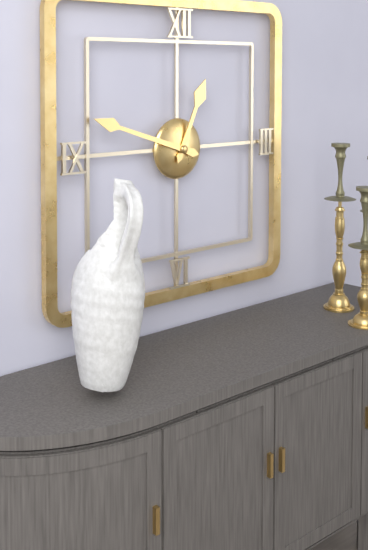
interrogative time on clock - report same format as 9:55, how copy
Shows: 12:48
